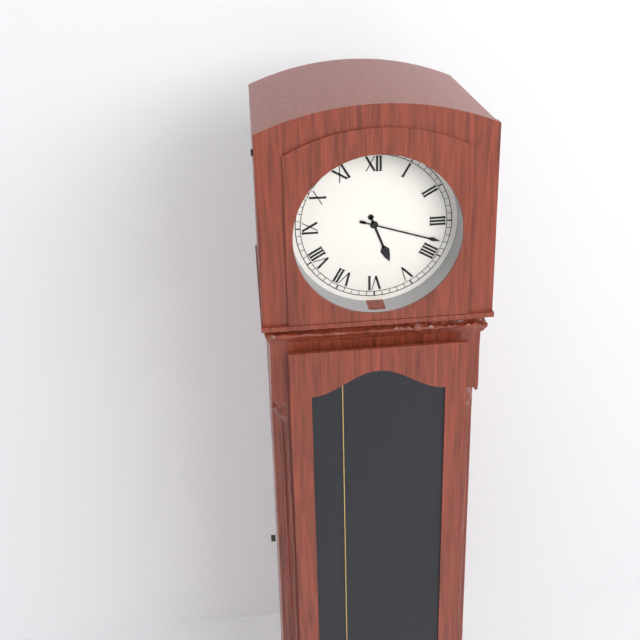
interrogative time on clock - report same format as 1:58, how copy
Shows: 5:18
